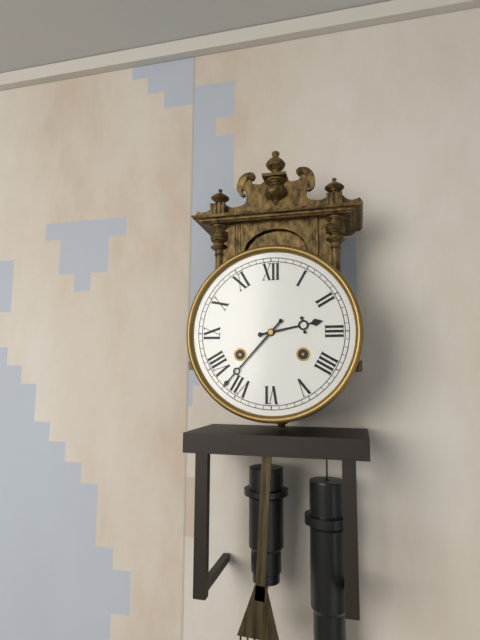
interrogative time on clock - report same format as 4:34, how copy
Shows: 2:37
